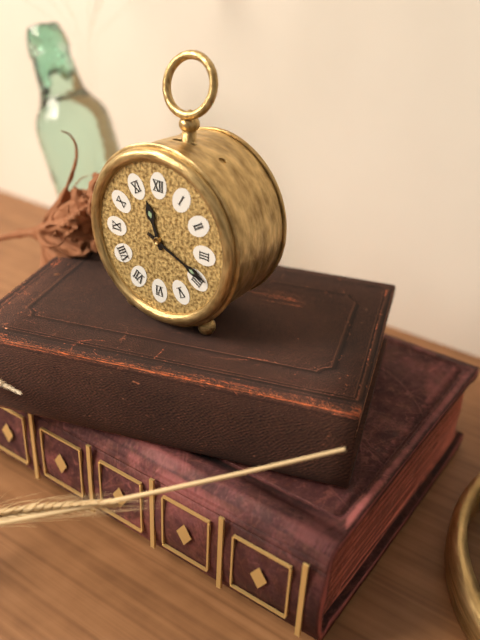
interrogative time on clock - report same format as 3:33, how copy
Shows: 11:19
